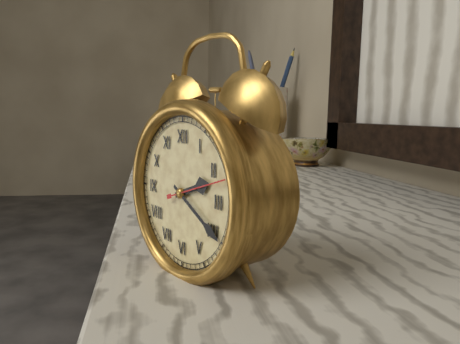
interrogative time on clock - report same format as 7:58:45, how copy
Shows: 2:20:12
